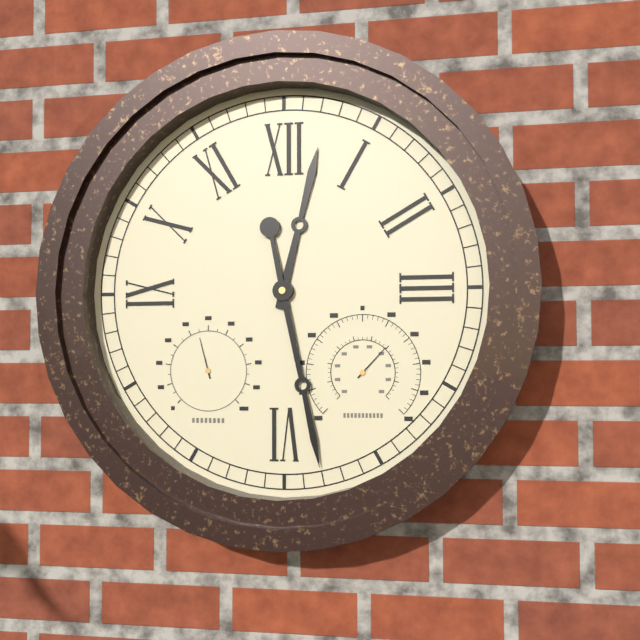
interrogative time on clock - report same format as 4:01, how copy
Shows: 12:28
